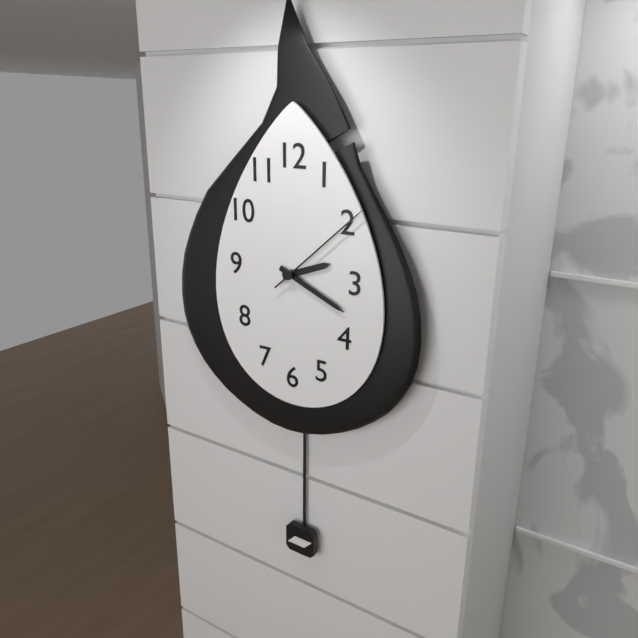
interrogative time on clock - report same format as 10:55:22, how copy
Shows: 2:19:08
